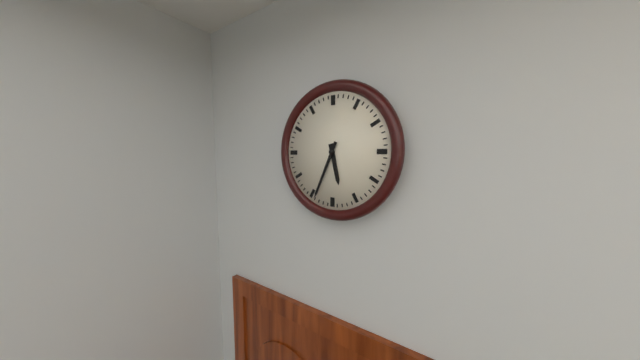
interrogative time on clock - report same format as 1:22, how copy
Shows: 5:34
